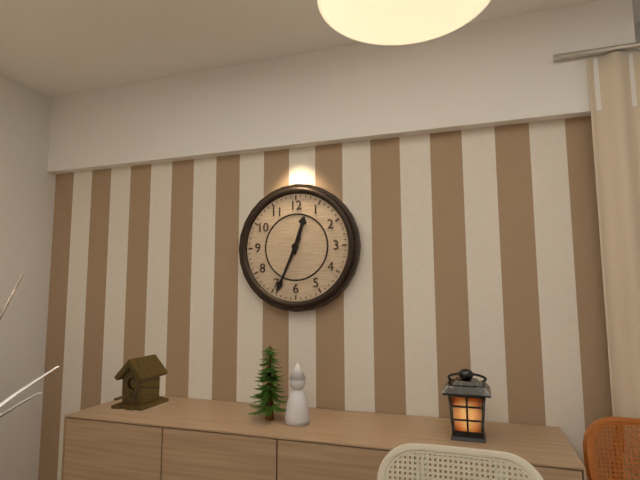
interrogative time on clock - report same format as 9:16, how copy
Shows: 12:34
